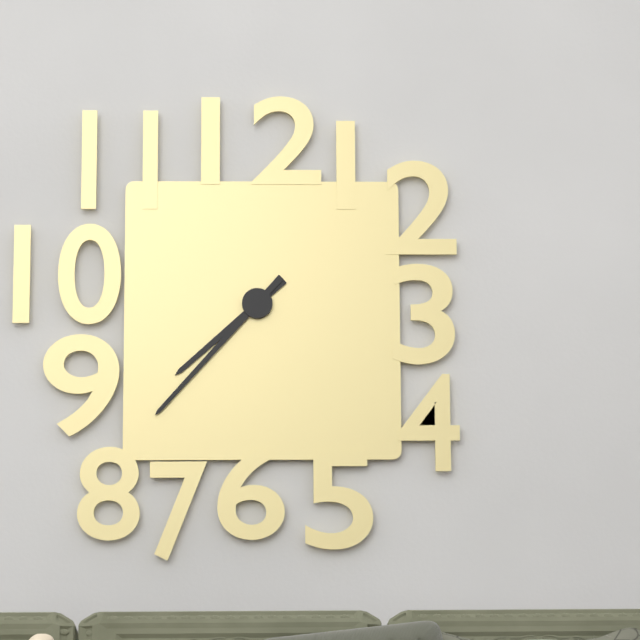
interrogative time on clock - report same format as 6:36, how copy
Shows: 7:37
